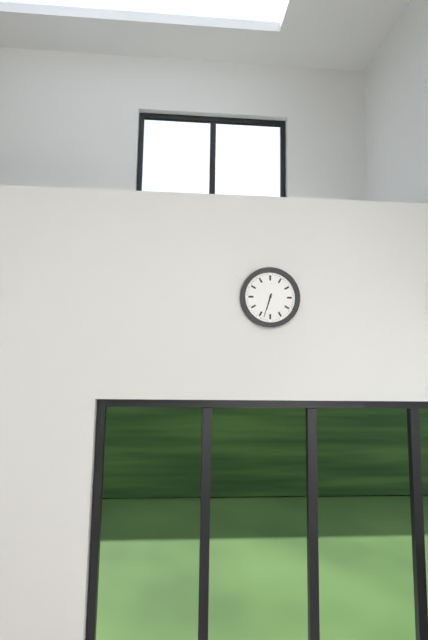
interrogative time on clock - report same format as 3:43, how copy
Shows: 6:33
